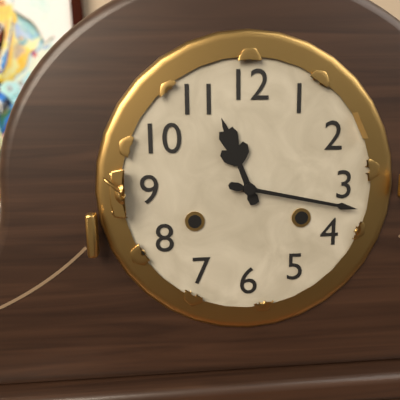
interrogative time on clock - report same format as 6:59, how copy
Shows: 11:17
